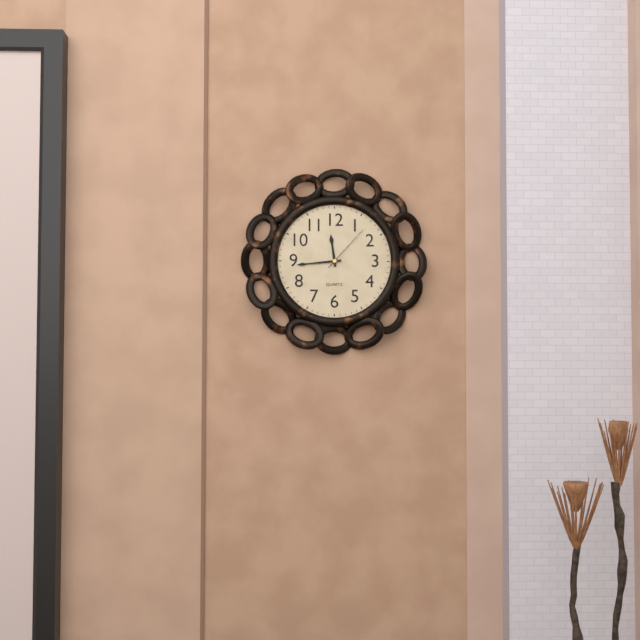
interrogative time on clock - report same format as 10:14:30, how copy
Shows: 11:44:07
